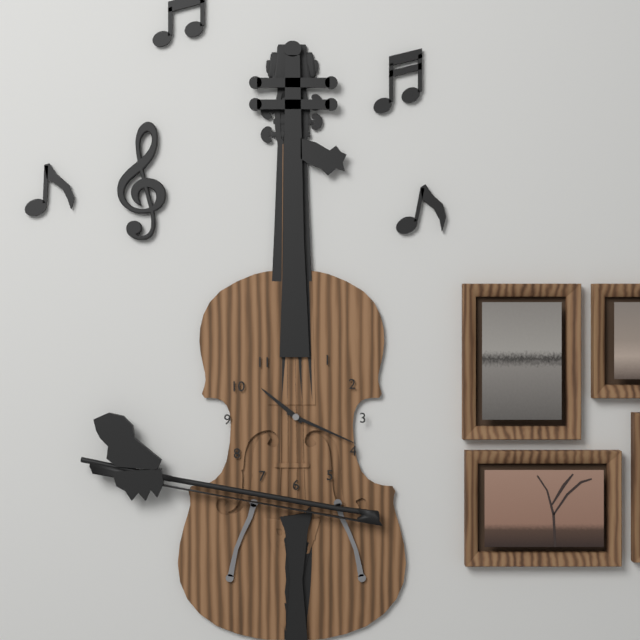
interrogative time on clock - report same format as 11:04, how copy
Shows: 10:19
